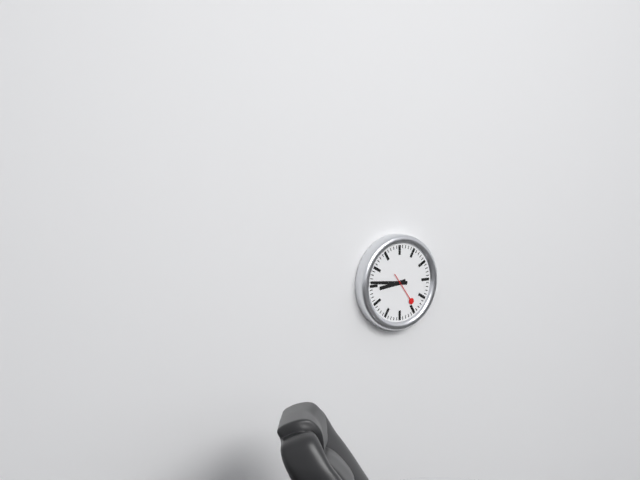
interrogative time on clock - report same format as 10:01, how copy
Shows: 8:46
